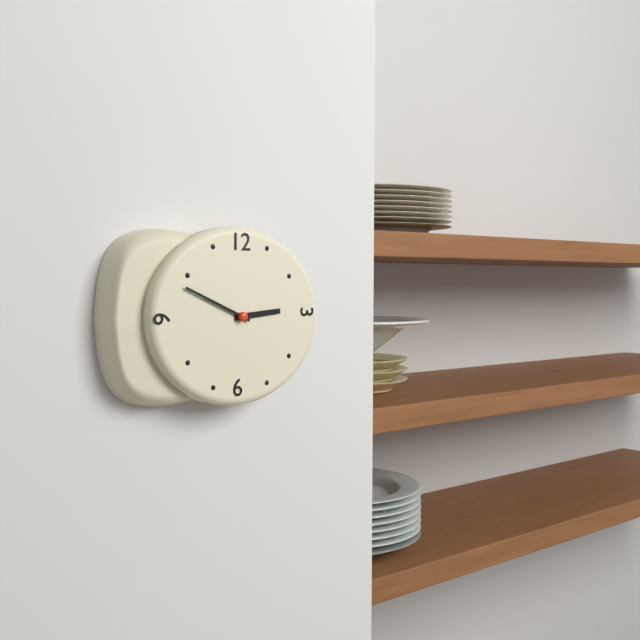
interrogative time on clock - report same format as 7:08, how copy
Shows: 2:49
